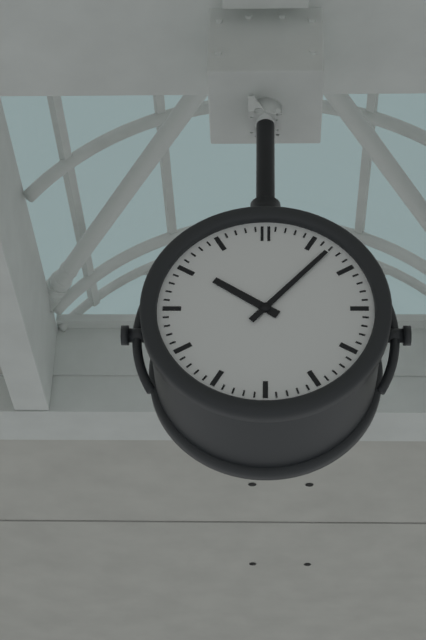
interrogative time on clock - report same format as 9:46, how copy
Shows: 10:07
